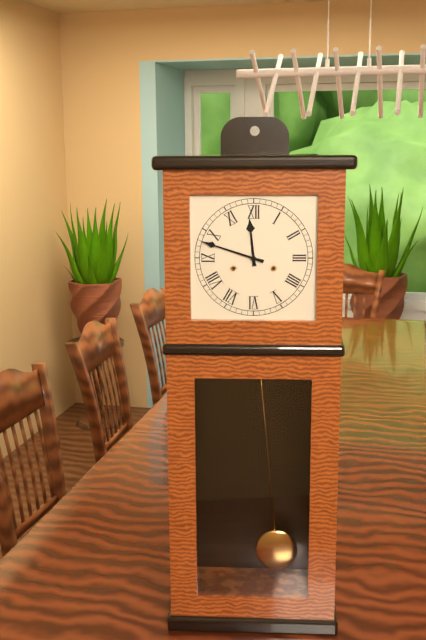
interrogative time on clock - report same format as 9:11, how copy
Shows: 11:48
